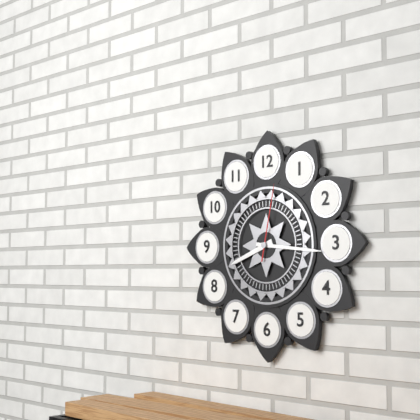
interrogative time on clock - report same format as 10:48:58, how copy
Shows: 8:16:02
